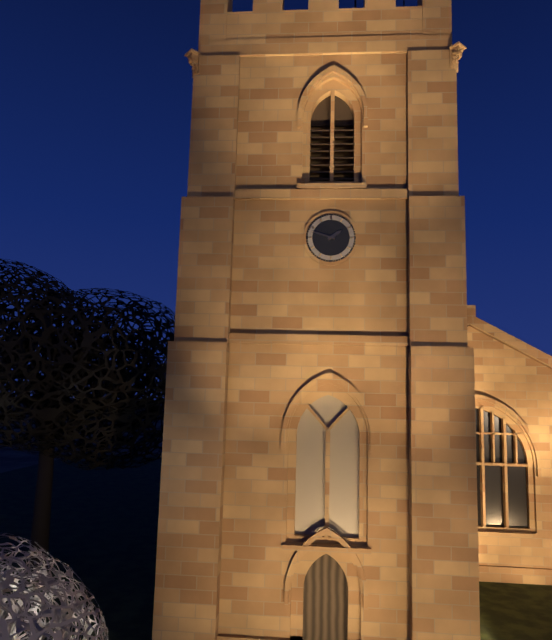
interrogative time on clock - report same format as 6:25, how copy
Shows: 1:48
